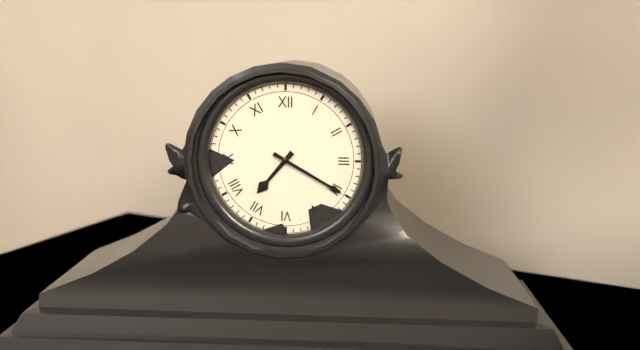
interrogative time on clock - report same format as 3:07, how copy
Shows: 7:20
